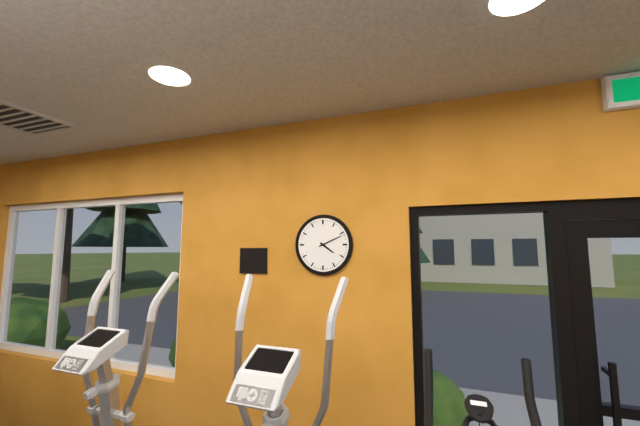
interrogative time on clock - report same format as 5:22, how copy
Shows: 4:11
